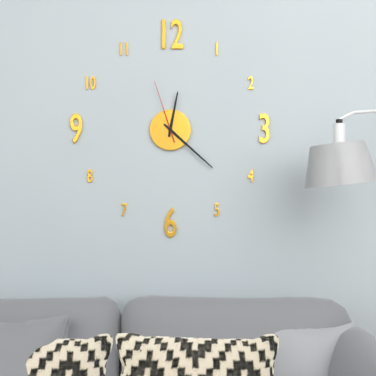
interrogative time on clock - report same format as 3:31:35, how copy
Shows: 12:22:57
